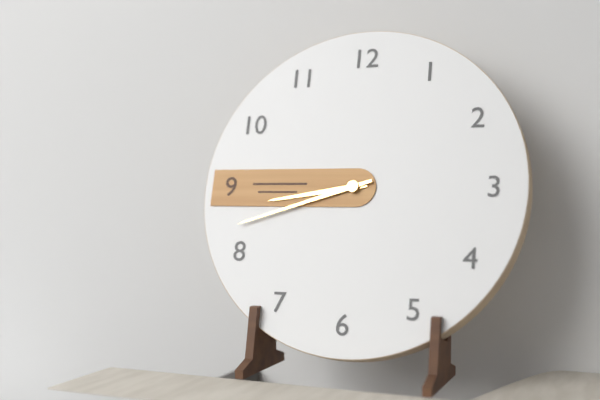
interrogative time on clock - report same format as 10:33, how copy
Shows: 8:42
